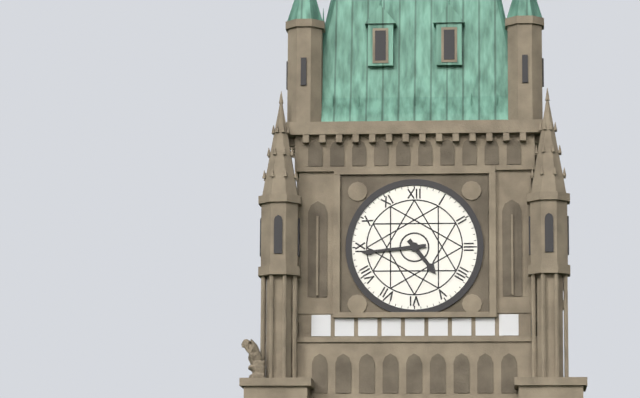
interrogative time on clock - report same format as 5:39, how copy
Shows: 4:44
